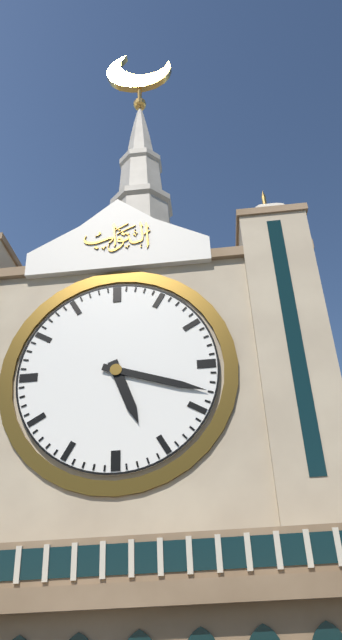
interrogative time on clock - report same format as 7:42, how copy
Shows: 5:18
